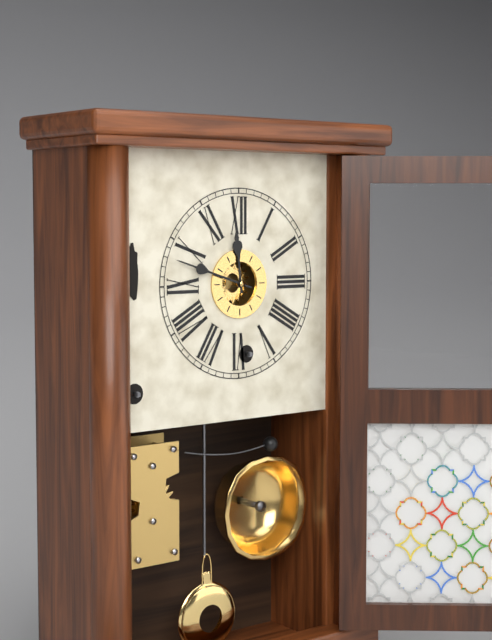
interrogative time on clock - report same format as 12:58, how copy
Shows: 11:48
